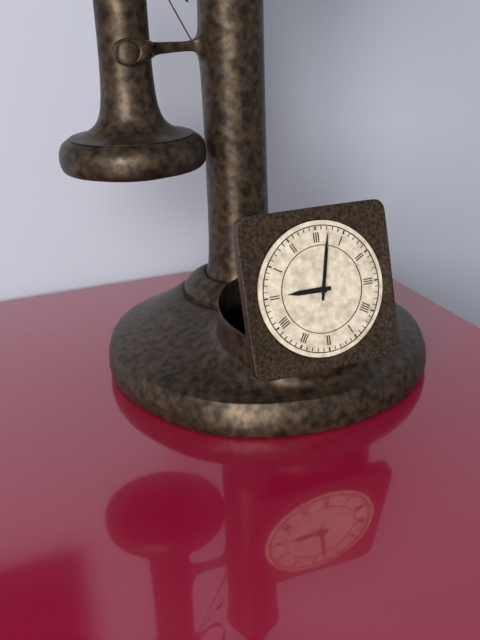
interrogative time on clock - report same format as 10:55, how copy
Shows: 9:02
